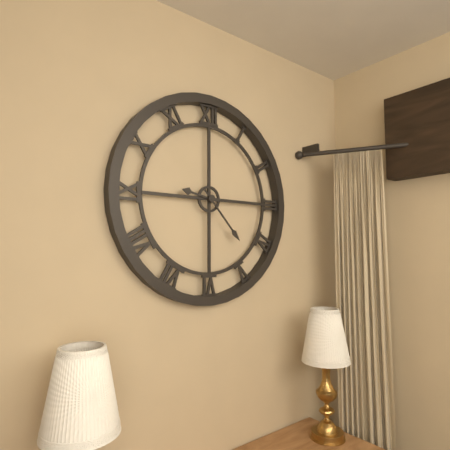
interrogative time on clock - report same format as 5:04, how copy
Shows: 9:23
